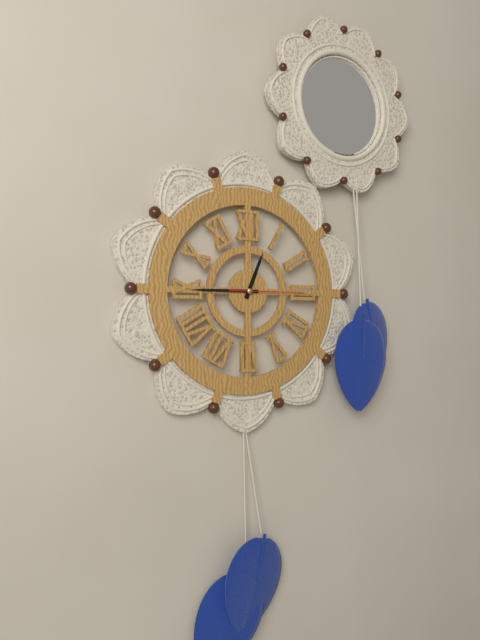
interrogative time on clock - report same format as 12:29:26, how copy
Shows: 12:45:15
